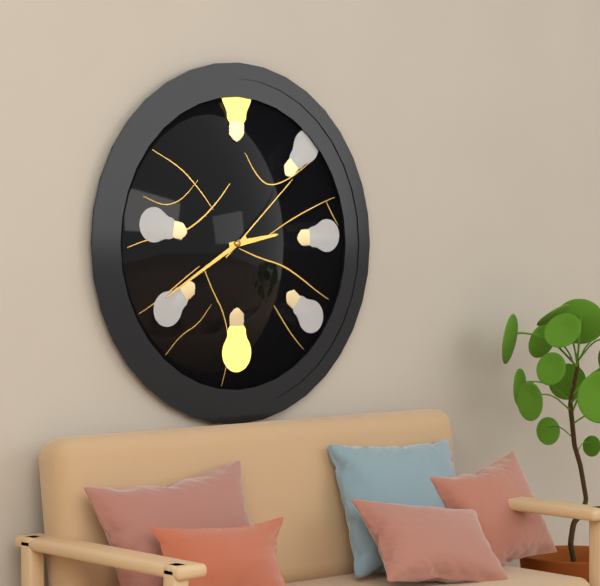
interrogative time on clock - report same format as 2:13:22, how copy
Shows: 2:40:08
